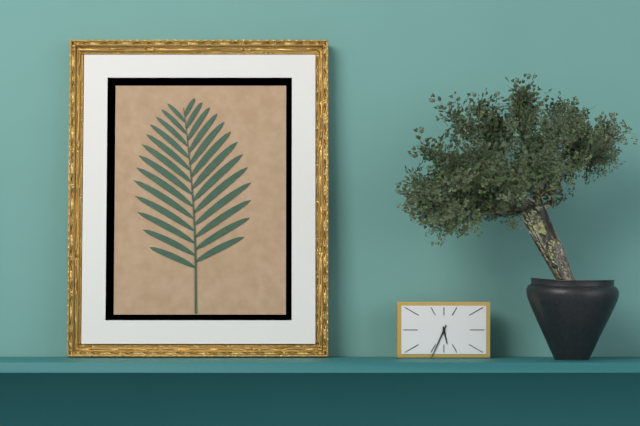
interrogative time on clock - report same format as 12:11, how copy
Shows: 5:34
